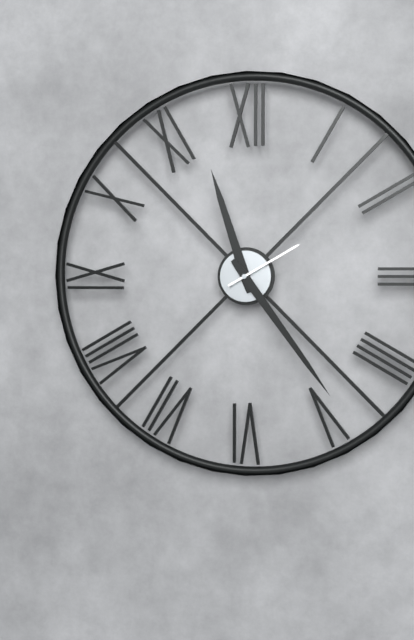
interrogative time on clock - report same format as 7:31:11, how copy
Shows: 11:24:10
